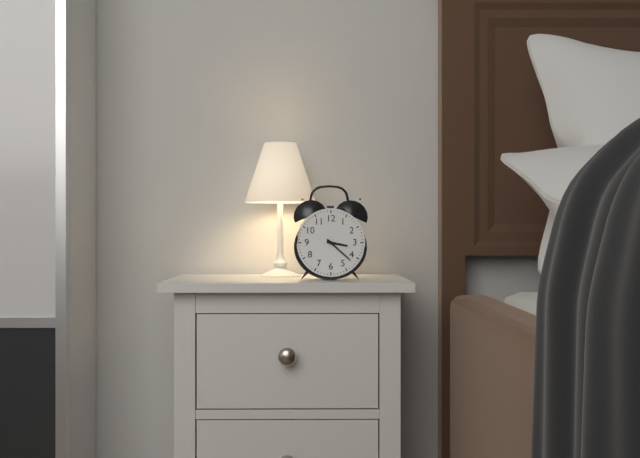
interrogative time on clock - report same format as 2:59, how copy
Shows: 3:22
